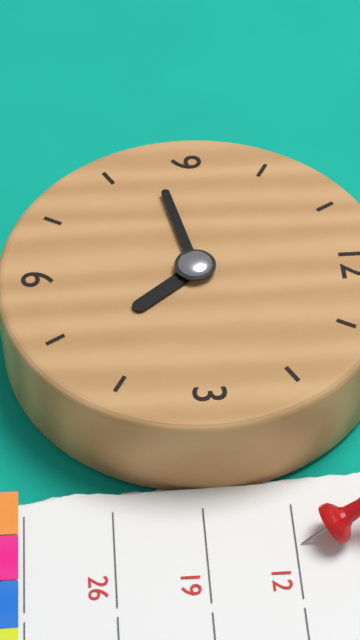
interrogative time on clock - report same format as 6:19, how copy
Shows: 4:43
